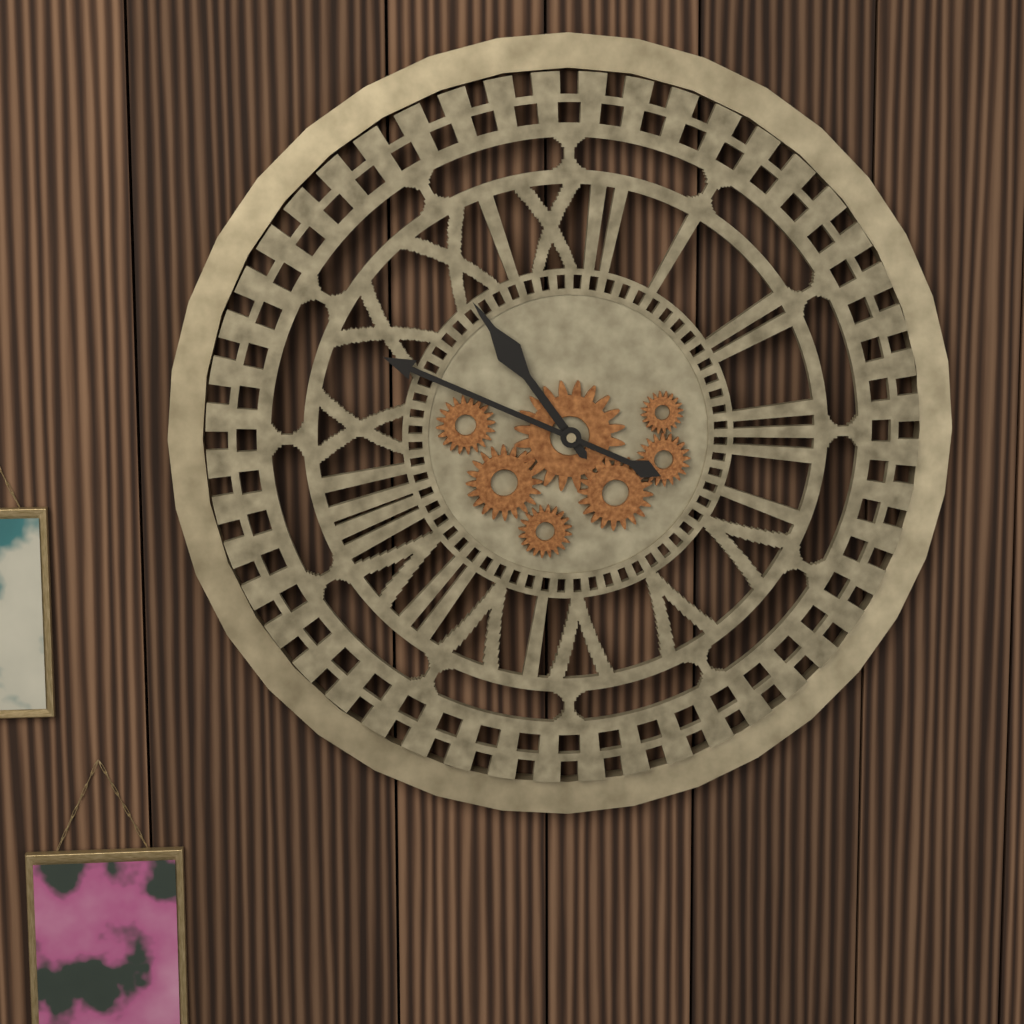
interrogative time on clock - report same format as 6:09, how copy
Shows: 10:49
